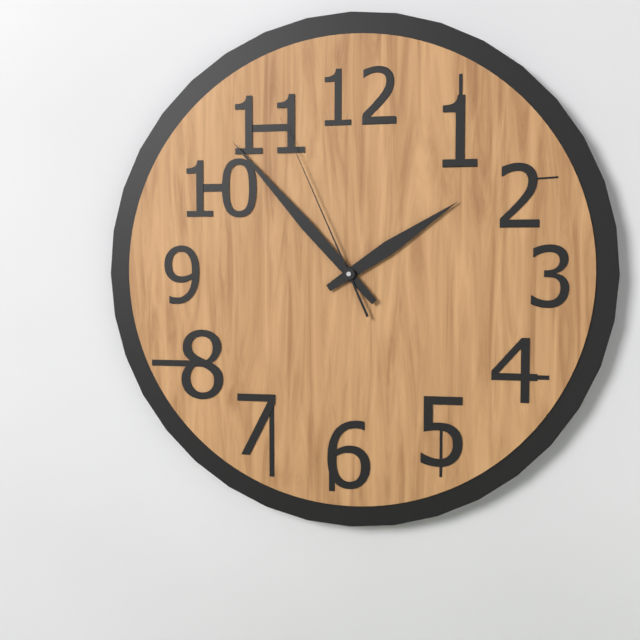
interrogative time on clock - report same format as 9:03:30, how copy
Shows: 1:53:56
